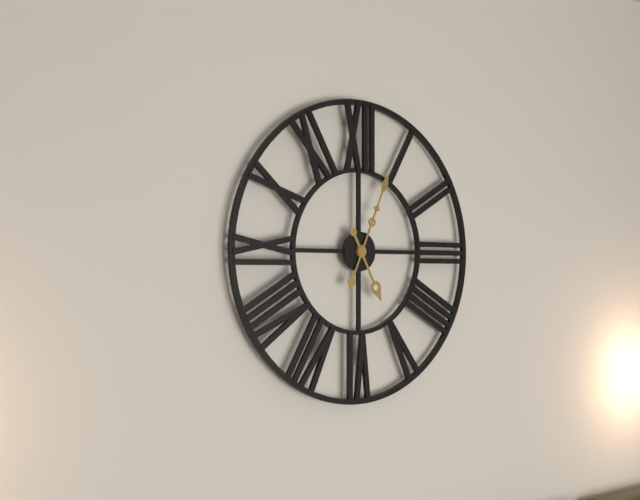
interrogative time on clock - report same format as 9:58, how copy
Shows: 5:04
